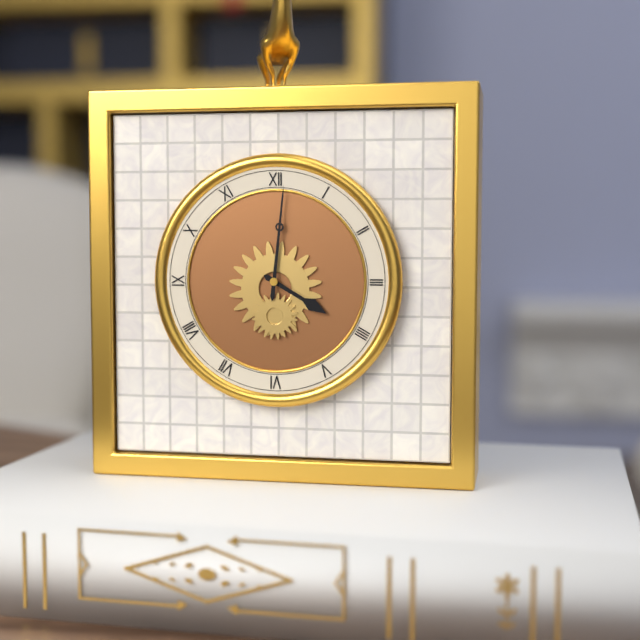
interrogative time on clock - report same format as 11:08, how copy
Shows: 4:01
